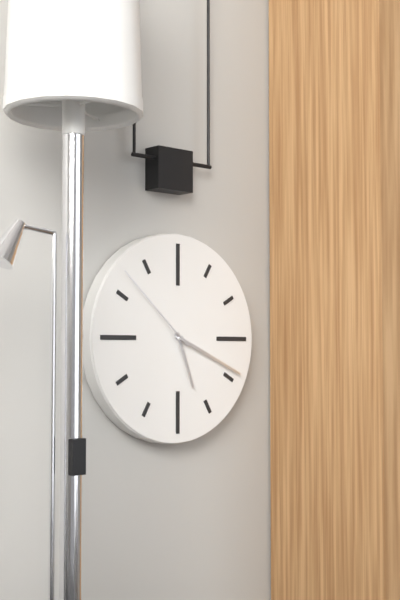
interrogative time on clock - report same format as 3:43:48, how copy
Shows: 5:19:52
